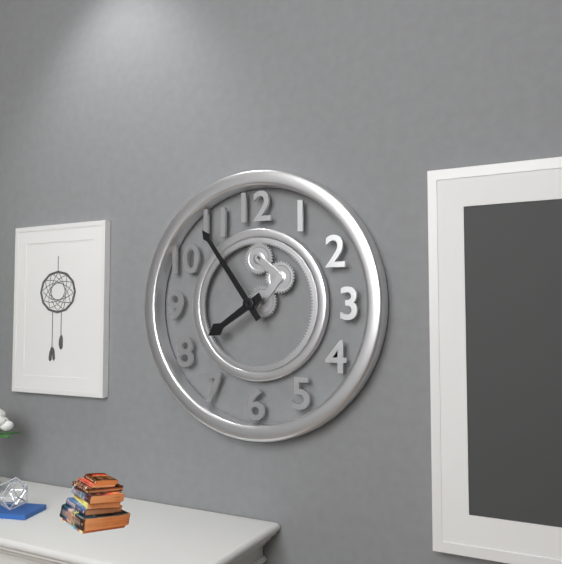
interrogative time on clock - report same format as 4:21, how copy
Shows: 7:54
